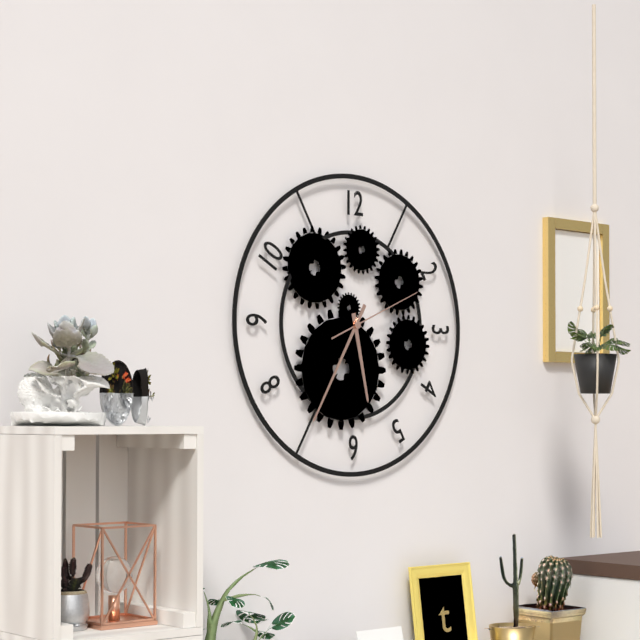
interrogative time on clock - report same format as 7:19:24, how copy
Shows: 5:35:11
